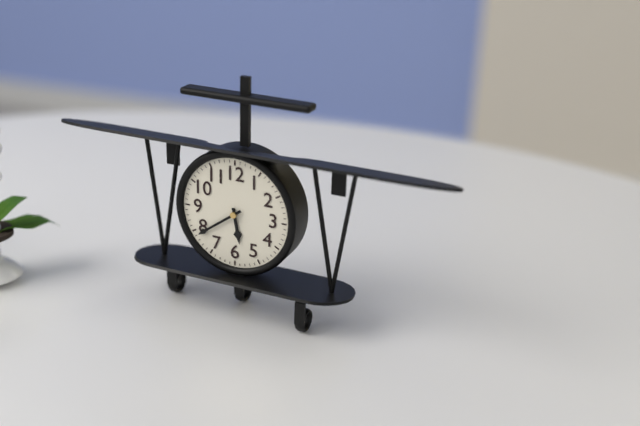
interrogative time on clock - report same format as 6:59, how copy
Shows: 5:39
